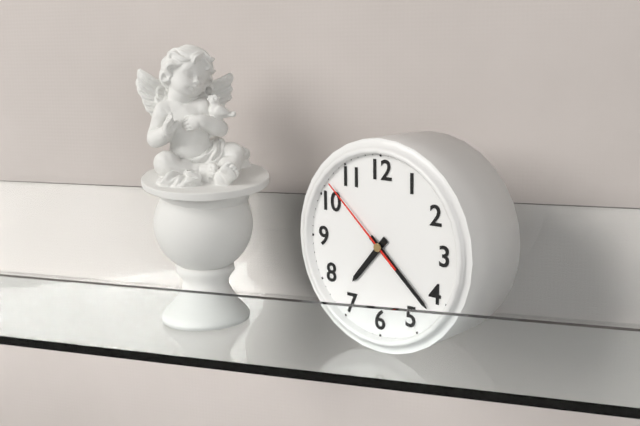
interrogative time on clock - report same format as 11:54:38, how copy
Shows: 7:22:52
